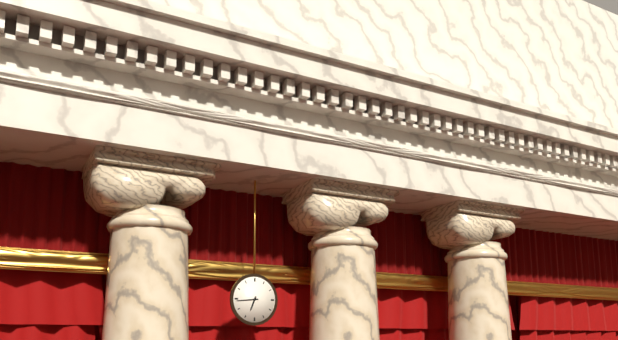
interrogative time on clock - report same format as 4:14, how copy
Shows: 6:44
